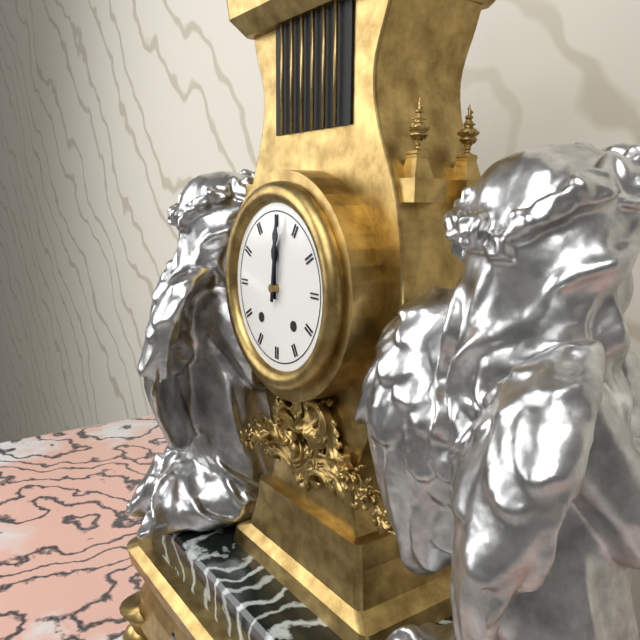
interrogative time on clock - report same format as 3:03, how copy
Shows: 12:01
